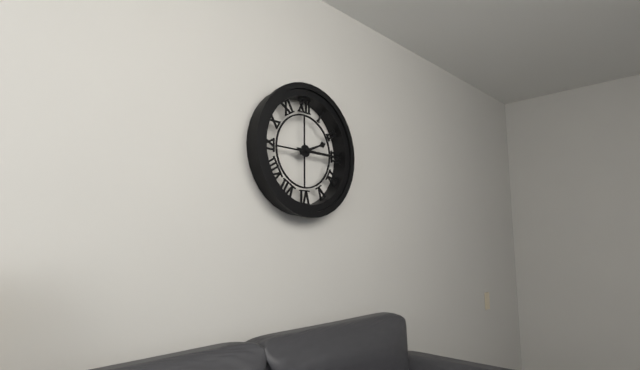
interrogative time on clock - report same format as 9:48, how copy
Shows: 2:15
